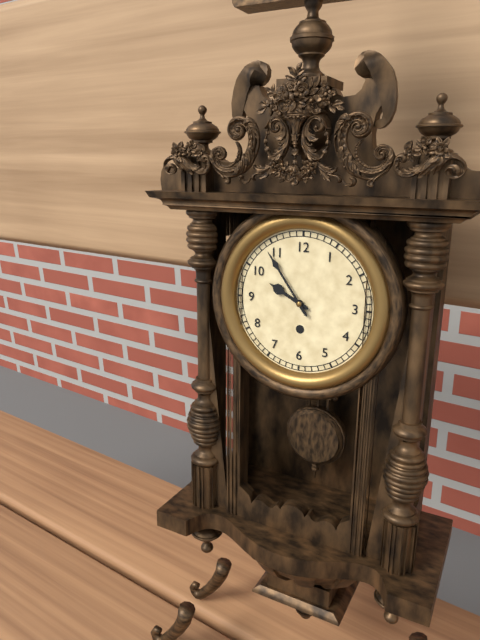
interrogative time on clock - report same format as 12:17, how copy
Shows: 9:54
